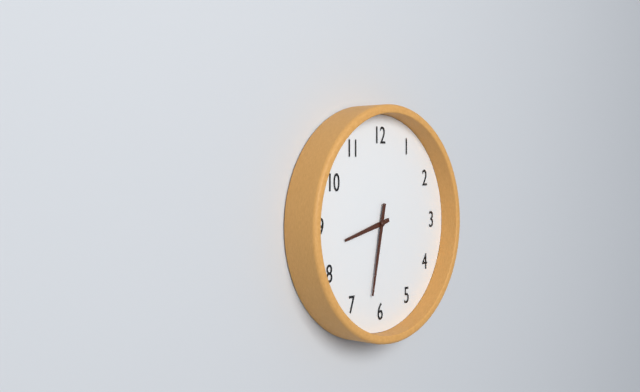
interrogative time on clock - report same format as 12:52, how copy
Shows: 8:32
